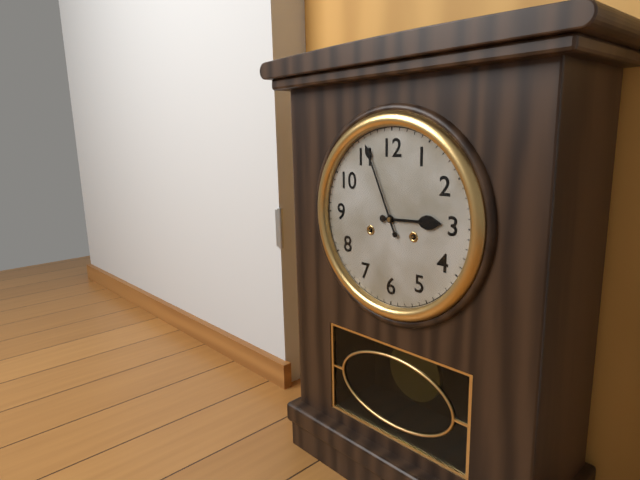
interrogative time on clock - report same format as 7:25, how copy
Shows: 2:56
